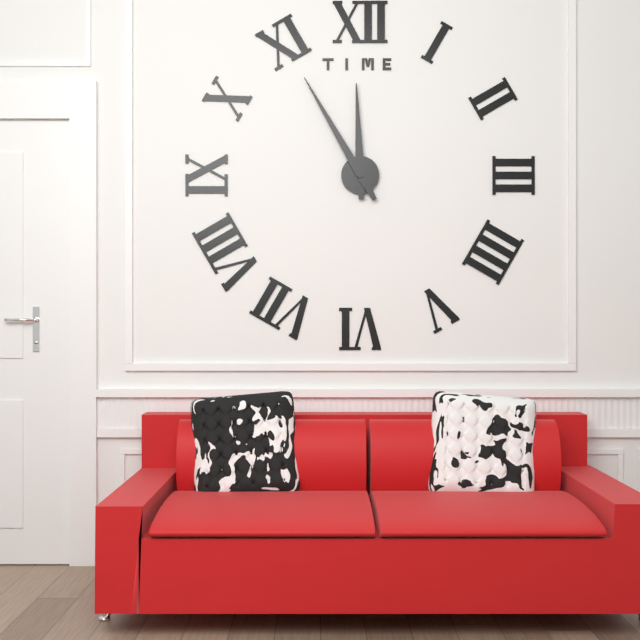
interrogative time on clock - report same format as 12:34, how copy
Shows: 11:55
